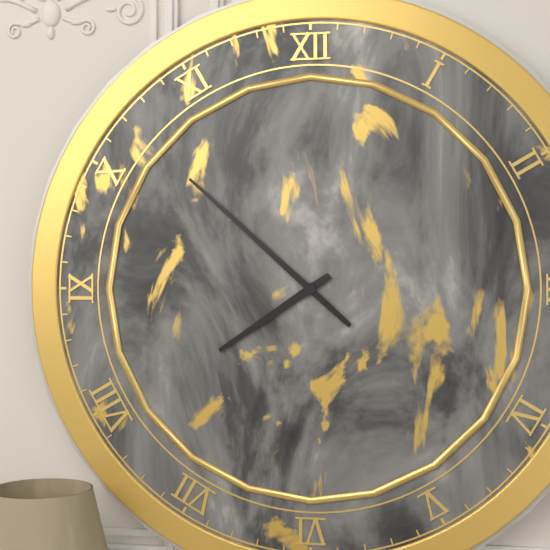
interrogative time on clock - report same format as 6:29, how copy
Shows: 7:52
